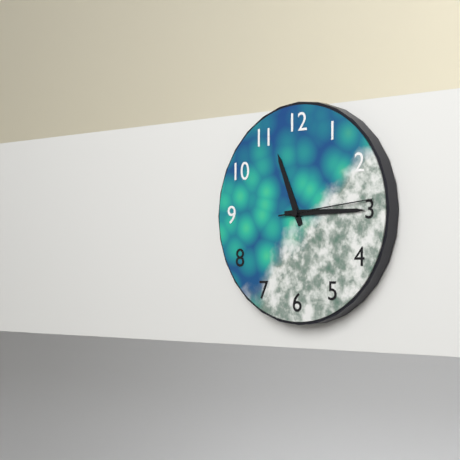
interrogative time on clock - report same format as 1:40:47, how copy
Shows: 11:15:14
